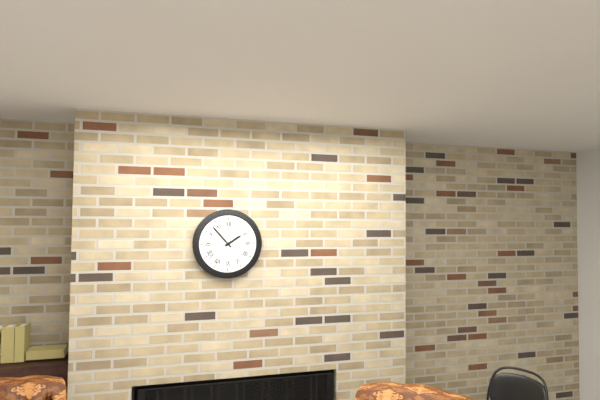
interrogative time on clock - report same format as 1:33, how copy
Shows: 1:53
